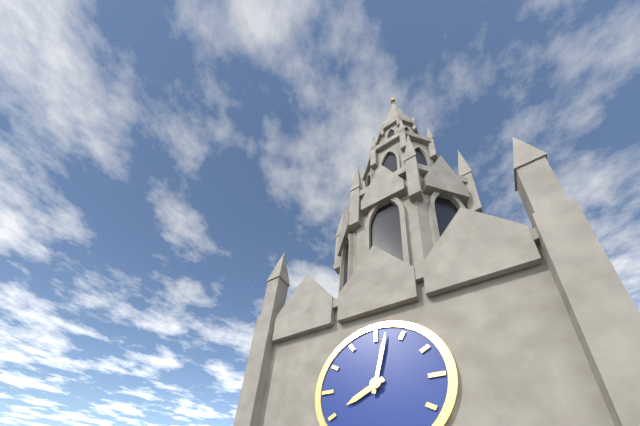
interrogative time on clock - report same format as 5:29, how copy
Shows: 8:02
